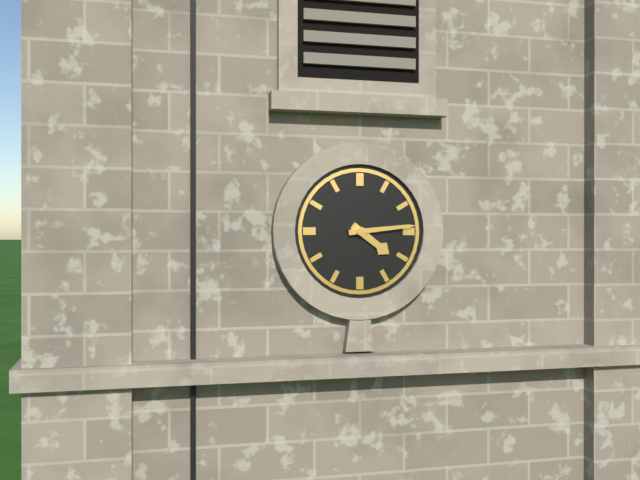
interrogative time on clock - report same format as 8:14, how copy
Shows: 4:14
